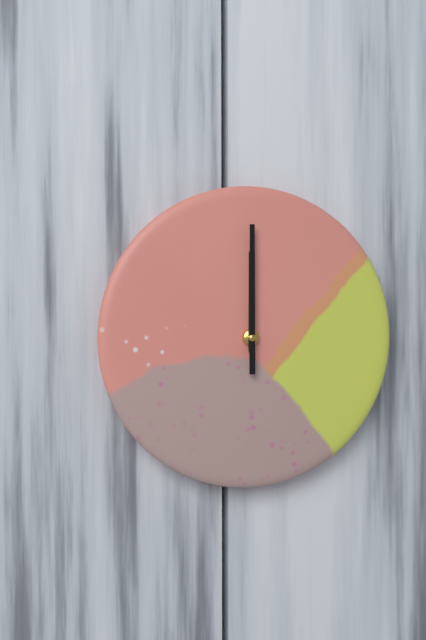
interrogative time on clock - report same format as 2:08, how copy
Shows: 12:00
